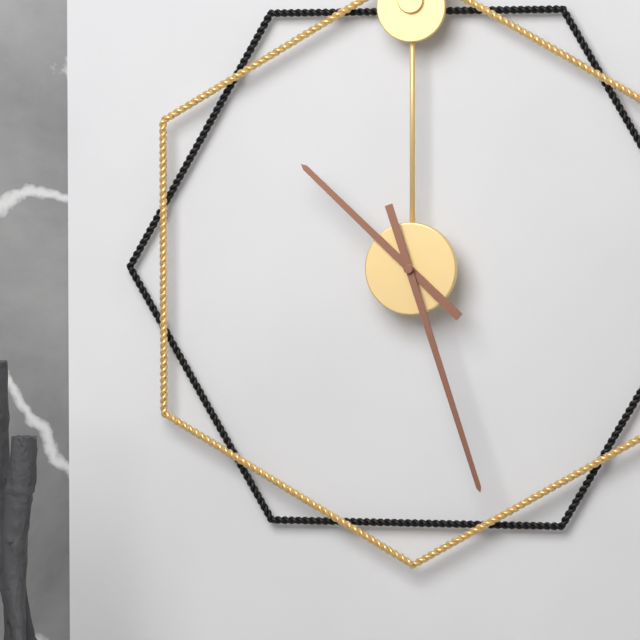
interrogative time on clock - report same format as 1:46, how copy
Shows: 10:27
